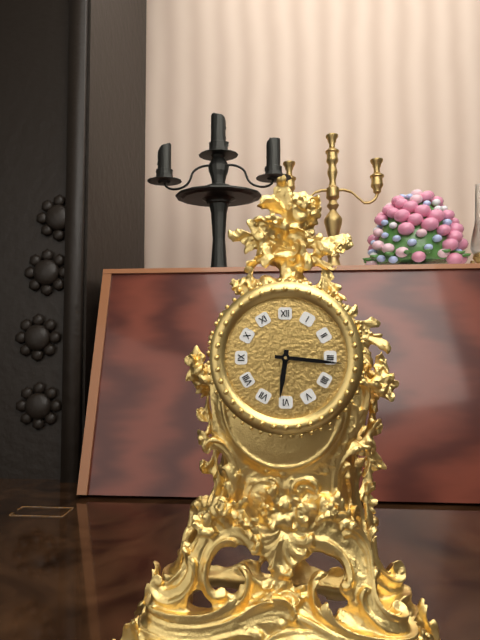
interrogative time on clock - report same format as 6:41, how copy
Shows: 6:16
